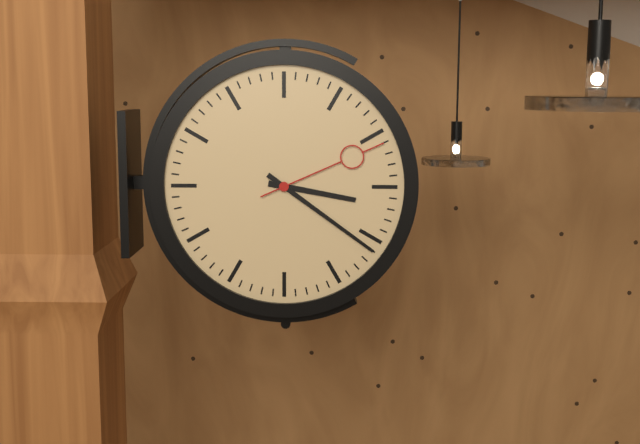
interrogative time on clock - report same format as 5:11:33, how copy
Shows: 3:21:11
